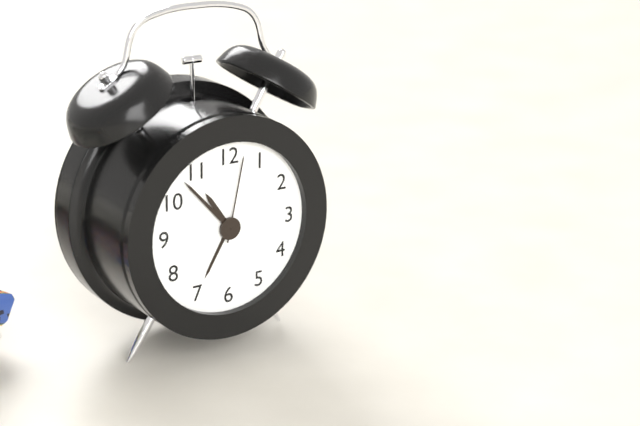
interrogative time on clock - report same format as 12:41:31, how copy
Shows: 10:53:02
